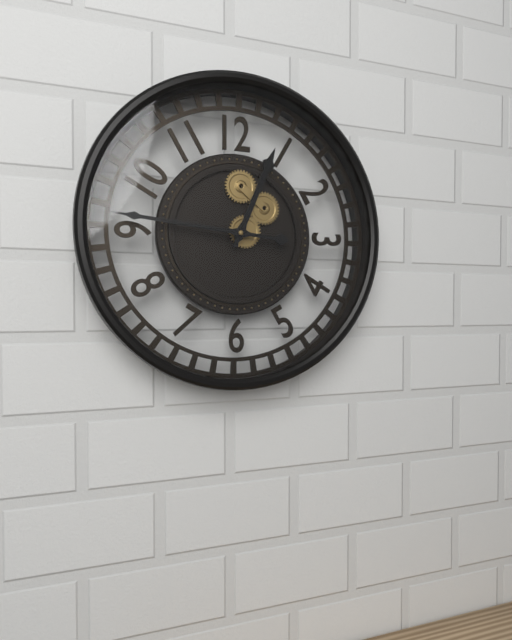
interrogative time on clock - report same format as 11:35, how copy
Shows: 12:46
